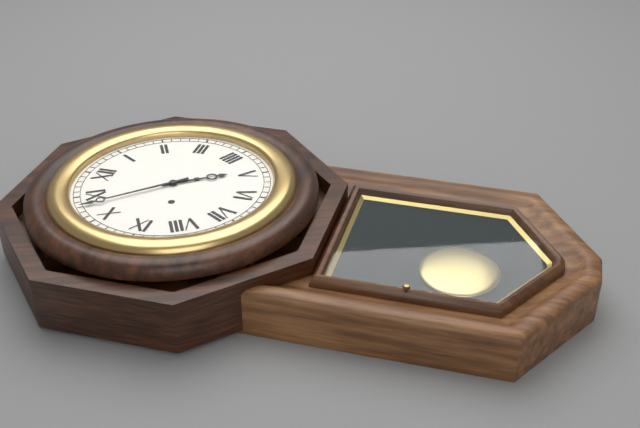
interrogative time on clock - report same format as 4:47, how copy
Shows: 4:53
